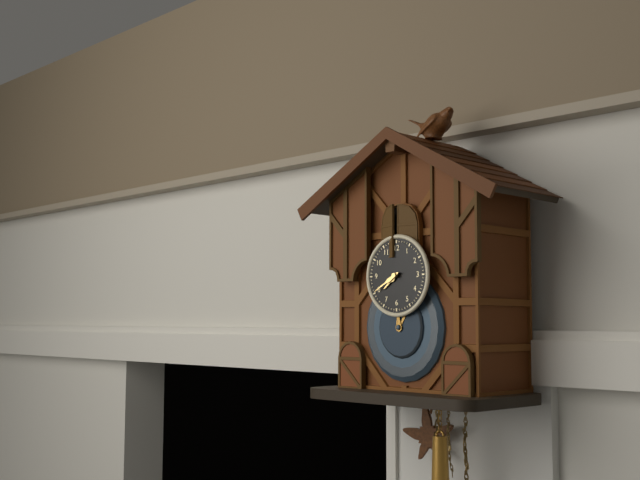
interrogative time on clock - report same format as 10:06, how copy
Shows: 7:40
